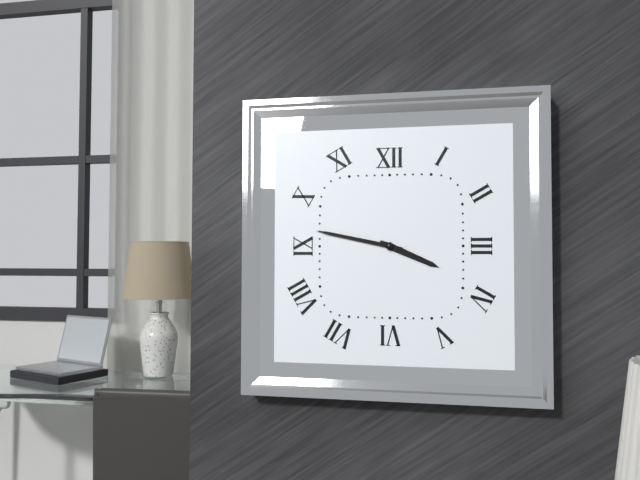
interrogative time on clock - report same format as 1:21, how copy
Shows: 3:47
